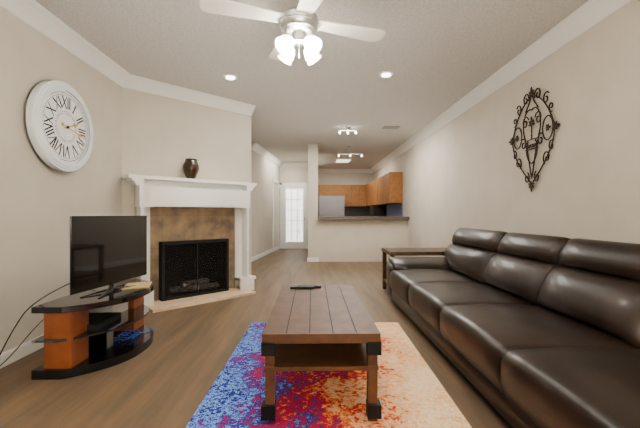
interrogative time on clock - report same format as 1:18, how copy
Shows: 2:17
